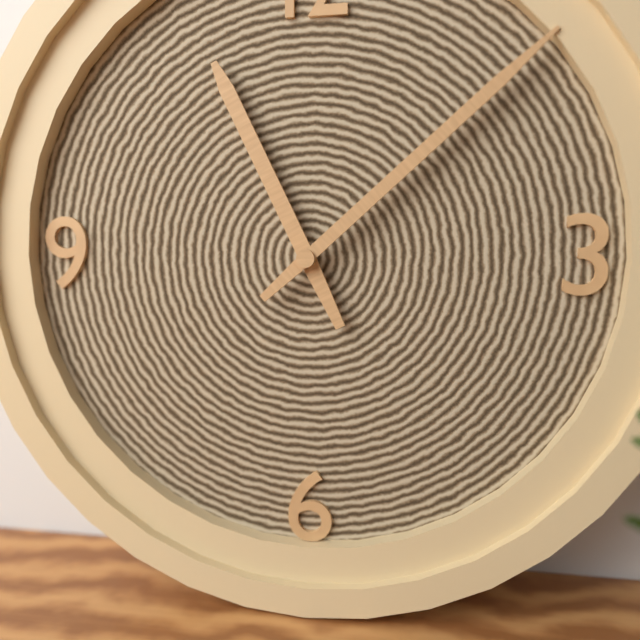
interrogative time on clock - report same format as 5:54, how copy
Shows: 11:08
